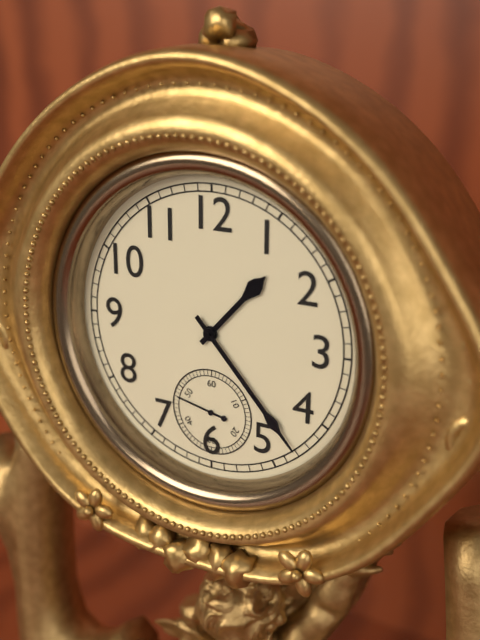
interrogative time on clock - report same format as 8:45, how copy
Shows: 1:23
